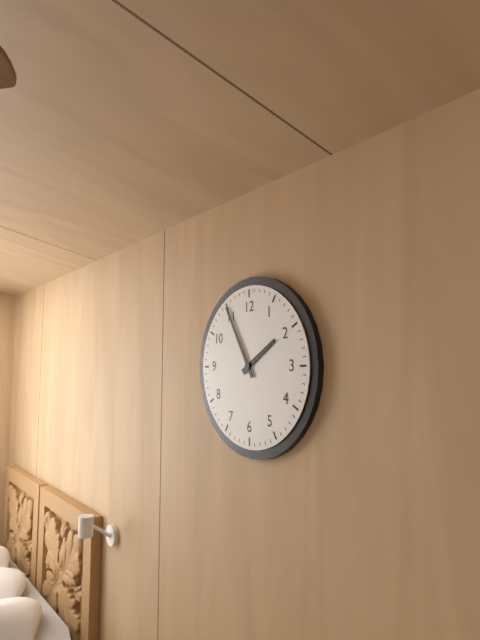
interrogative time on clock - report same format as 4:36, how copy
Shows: 1:55
